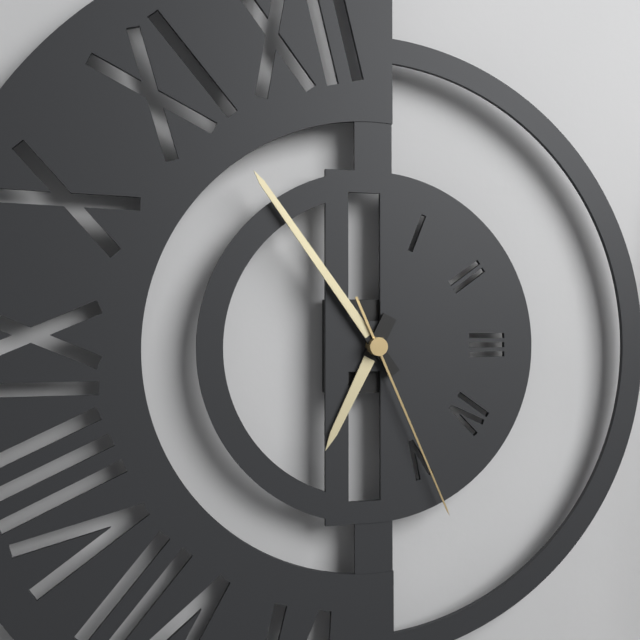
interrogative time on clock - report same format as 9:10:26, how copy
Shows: 6:54:26
